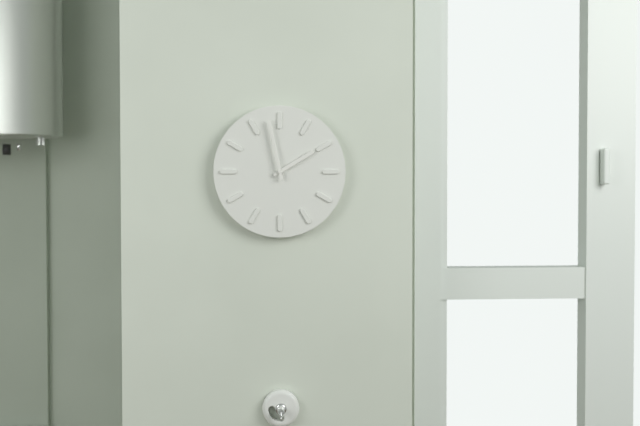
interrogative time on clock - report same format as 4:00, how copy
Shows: 1:58
